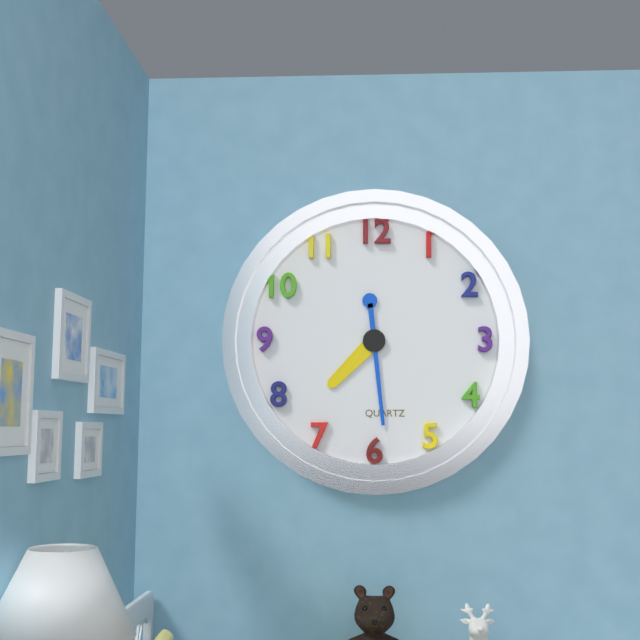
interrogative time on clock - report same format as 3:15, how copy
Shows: 7:29
